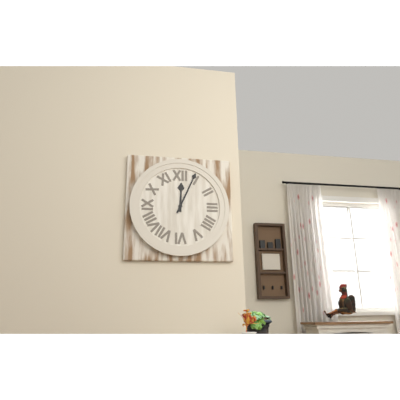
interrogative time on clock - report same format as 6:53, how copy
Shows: 12:04
